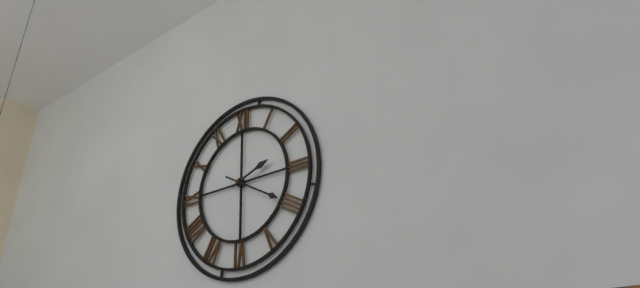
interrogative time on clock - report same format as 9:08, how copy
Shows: 2:20
